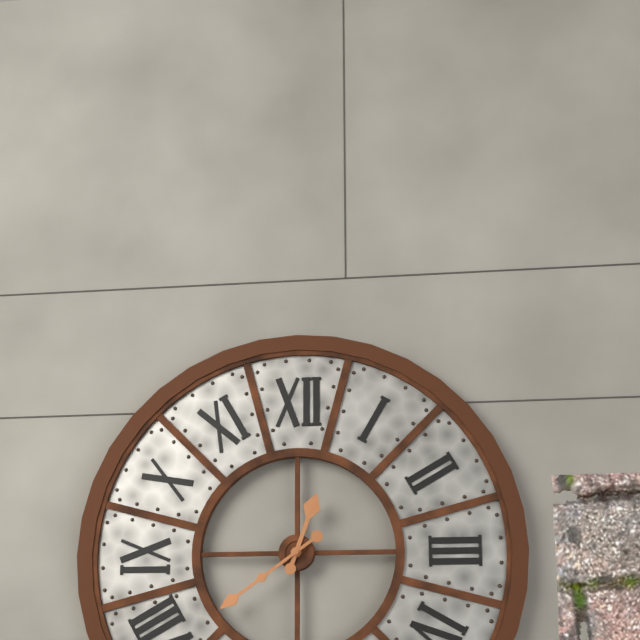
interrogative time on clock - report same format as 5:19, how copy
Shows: 12:39
